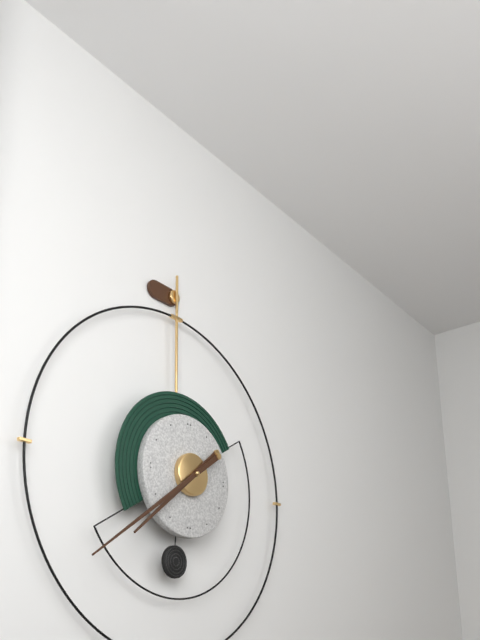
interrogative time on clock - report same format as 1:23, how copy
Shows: 7:39
